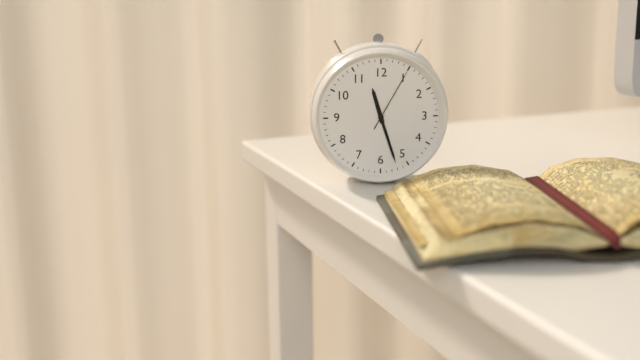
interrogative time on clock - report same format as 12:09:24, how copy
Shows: 11:27:05
